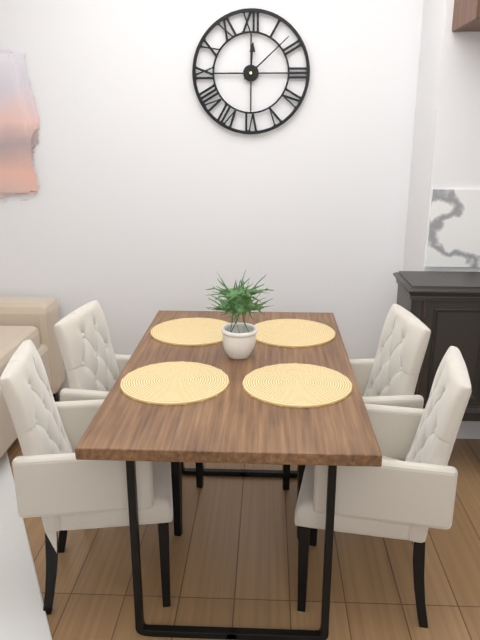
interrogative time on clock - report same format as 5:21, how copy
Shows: 12:08
